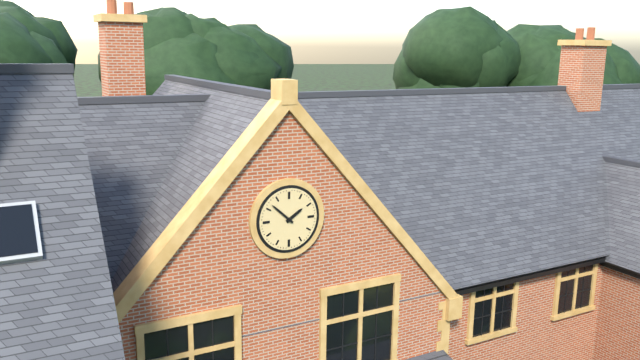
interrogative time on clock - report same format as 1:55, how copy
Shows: 1:52
